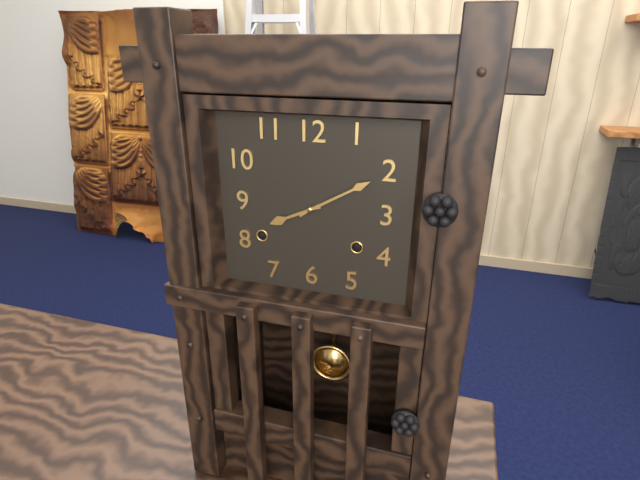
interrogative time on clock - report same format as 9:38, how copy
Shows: 8:10
